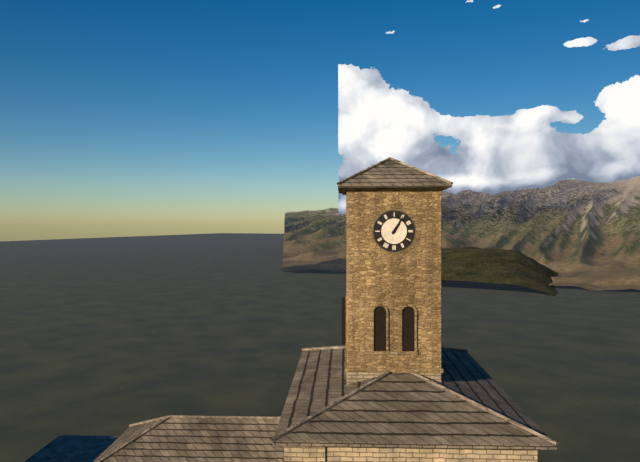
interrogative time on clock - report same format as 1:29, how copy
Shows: 1:05
